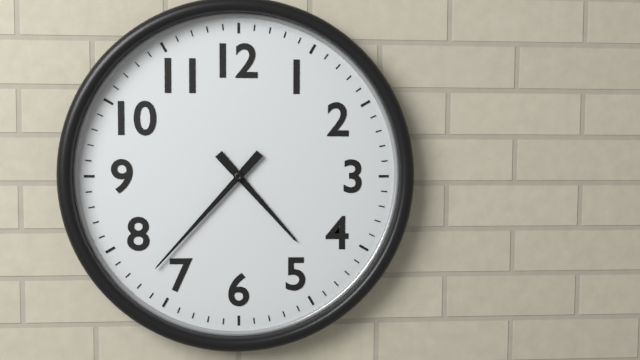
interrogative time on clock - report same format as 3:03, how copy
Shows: 4:37
